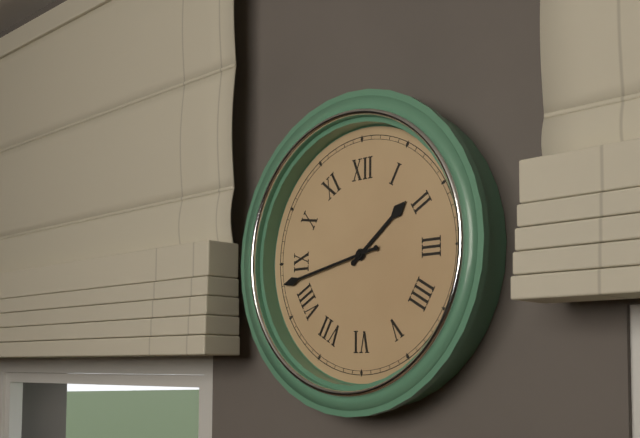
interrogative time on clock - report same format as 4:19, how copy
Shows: 1:43
